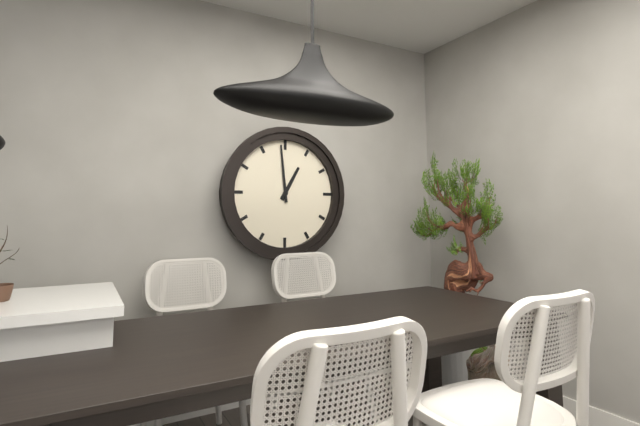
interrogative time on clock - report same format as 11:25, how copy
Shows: 12:59
